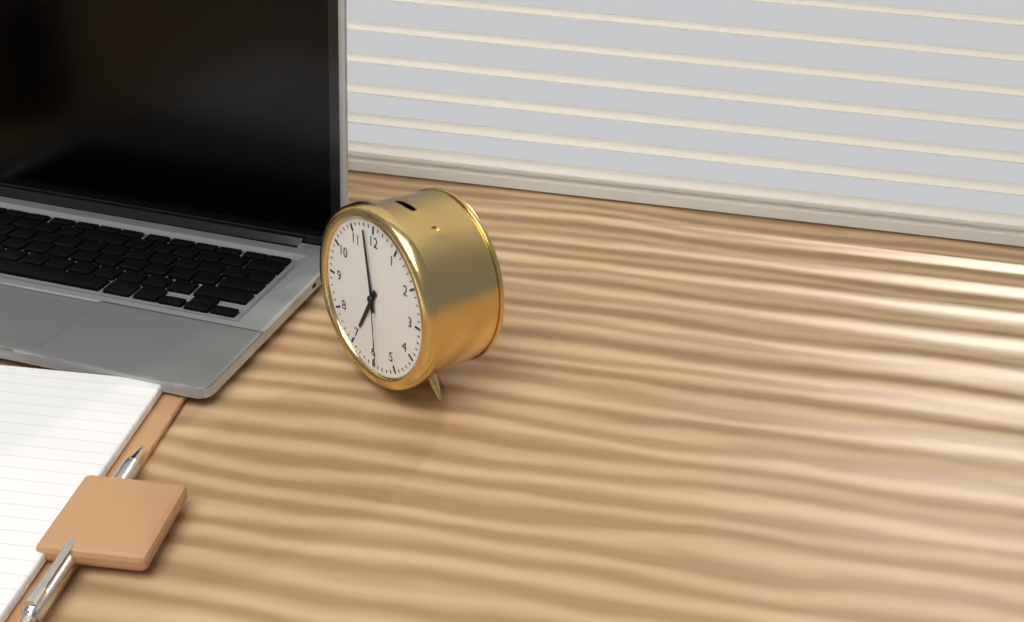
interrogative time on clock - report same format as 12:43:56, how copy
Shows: 6:58:29
